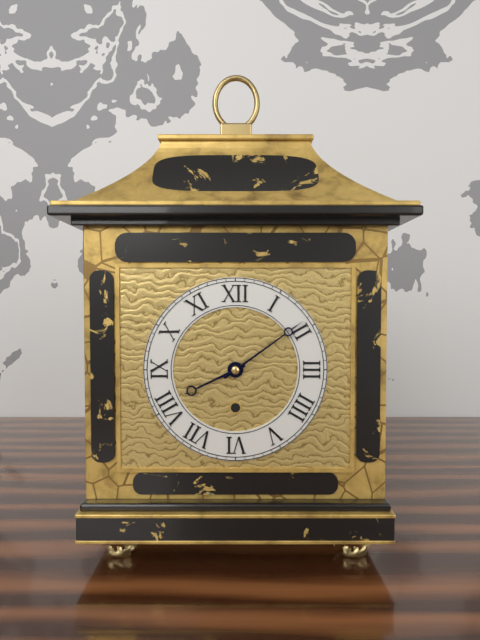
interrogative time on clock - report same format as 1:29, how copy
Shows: 8:09
